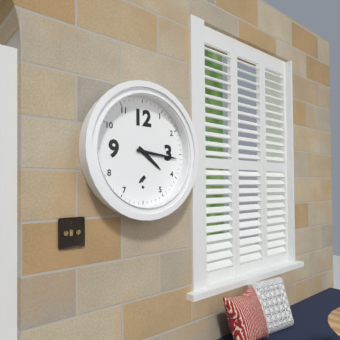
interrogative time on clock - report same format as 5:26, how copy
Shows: 4:16
